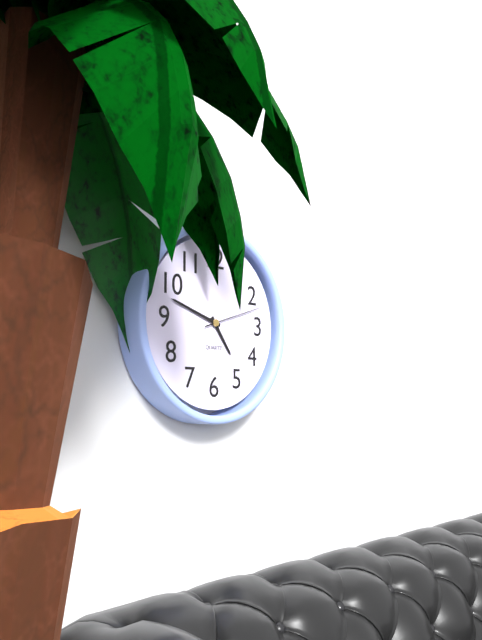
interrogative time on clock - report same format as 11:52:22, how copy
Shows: 4:48:12
